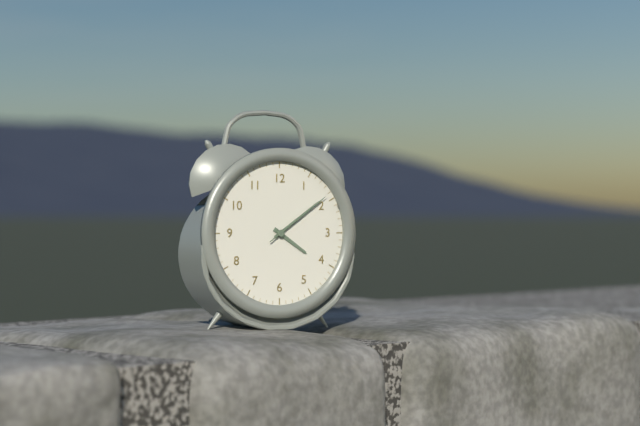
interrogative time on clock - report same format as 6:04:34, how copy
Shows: 4:09:09
